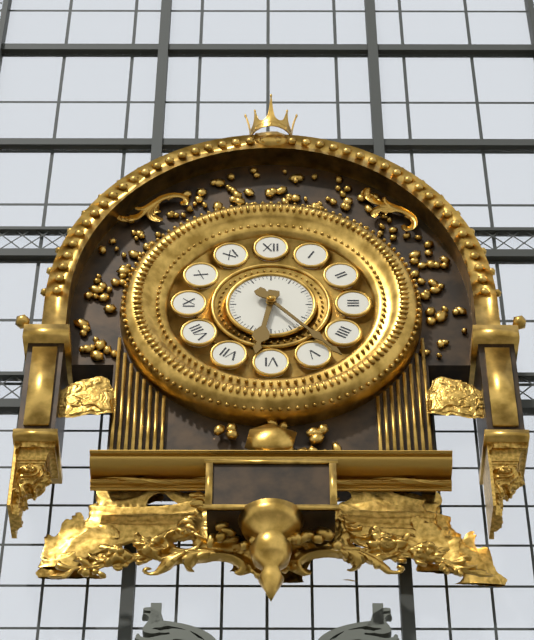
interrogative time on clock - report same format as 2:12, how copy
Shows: 6:23
